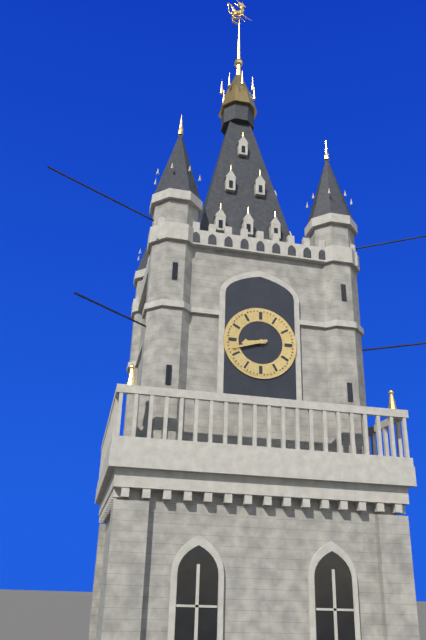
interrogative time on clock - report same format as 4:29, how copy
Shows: 8:42
